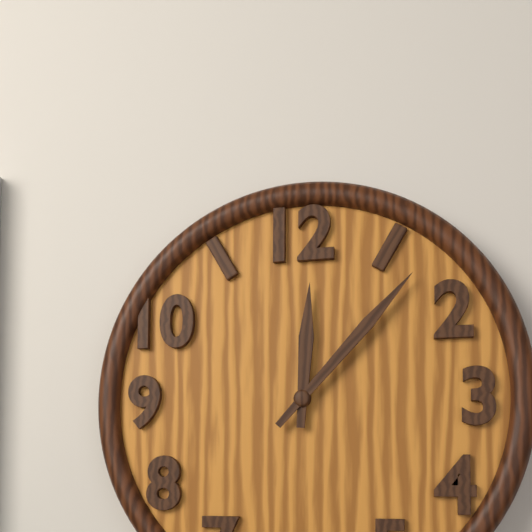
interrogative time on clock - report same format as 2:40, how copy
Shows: 12:07
